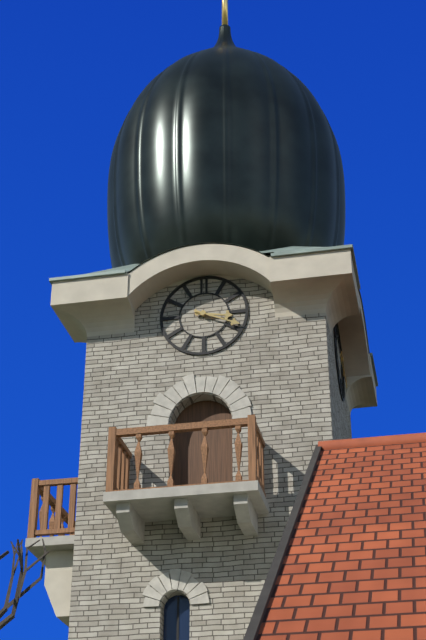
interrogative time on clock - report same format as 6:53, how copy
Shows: 3:19
